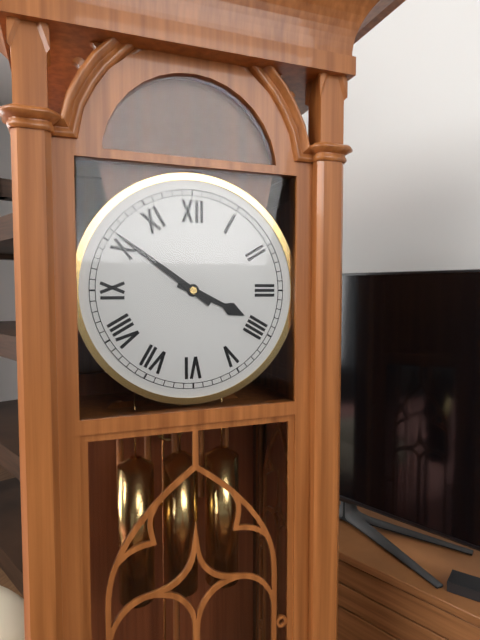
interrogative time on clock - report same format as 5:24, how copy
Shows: 3:51
